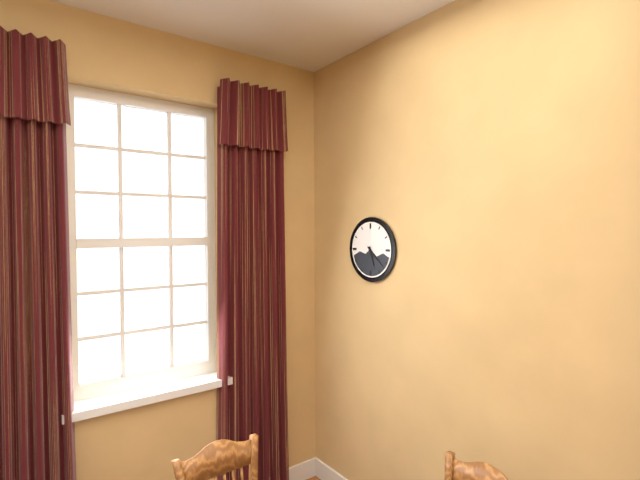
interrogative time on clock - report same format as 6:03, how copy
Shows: 5:22
